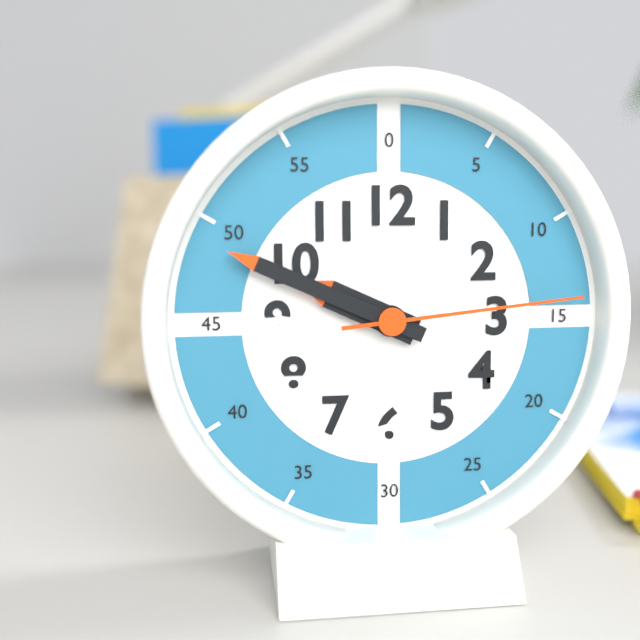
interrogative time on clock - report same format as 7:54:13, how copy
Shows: 9:49:14
